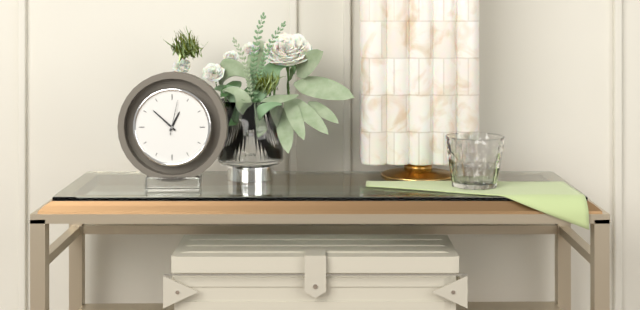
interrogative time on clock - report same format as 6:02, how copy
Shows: 12:52
